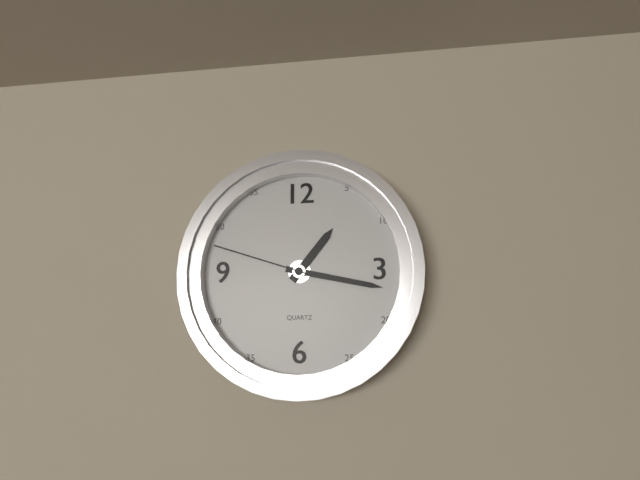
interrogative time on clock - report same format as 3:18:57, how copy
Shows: 1:17:48
